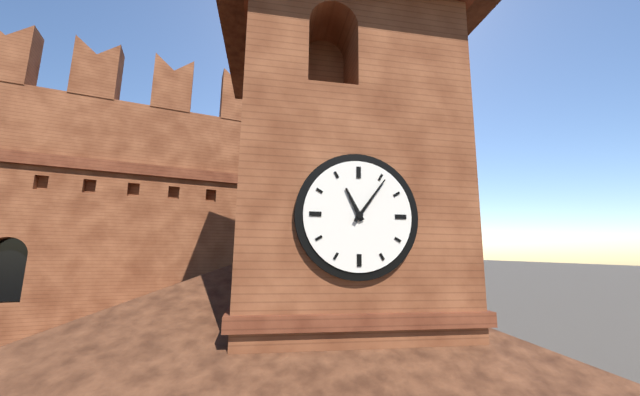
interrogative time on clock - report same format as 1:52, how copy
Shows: 11:06
